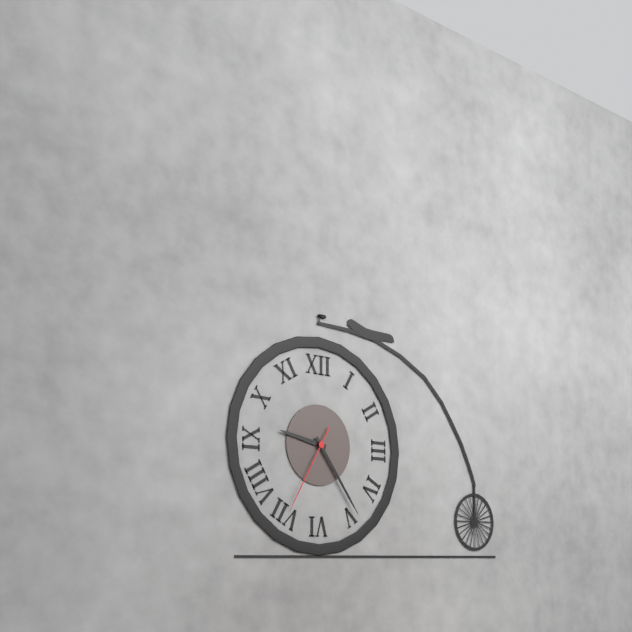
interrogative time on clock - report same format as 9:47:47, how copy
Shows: 9:24:35
